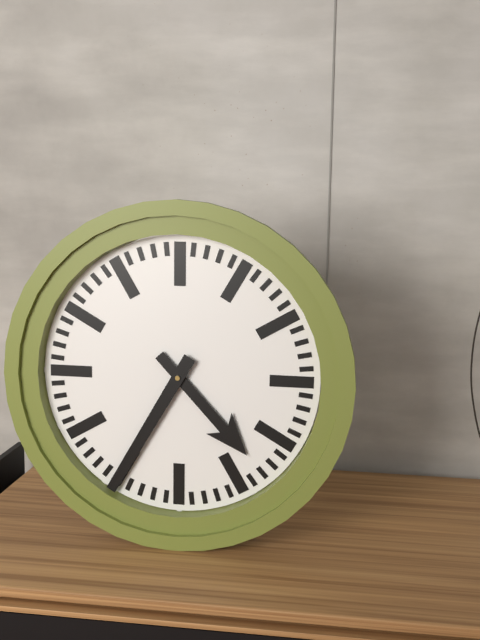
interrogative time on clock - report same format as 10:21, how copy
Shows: 4:35
